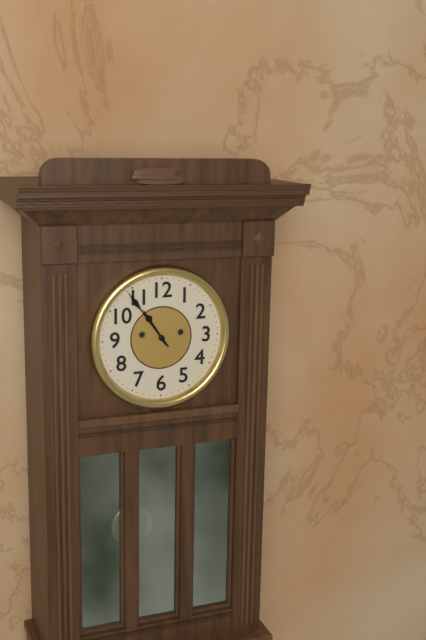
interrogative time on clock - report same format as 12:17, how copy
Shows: 10:54
